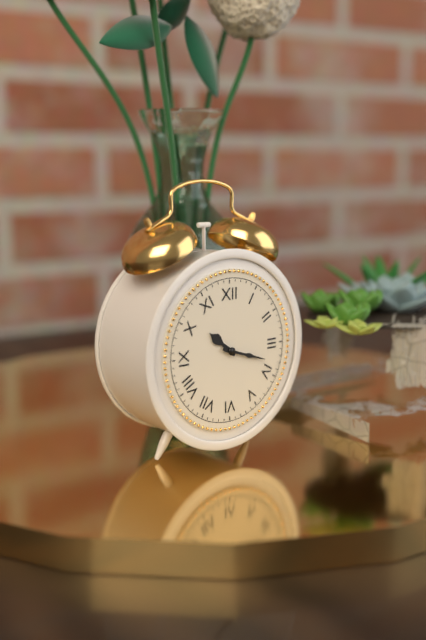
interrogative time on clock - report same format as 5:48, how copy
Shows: 10:18
